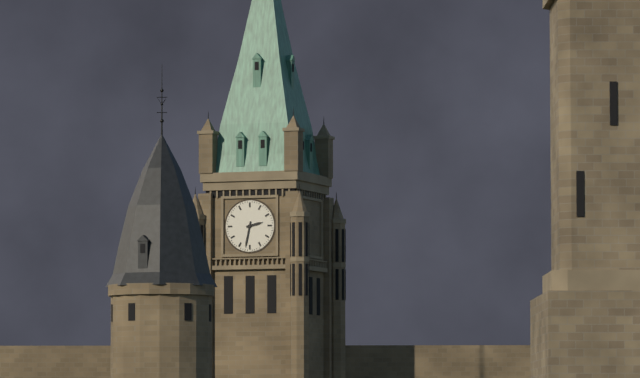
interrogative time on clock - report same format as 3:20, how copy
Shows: 2:32
